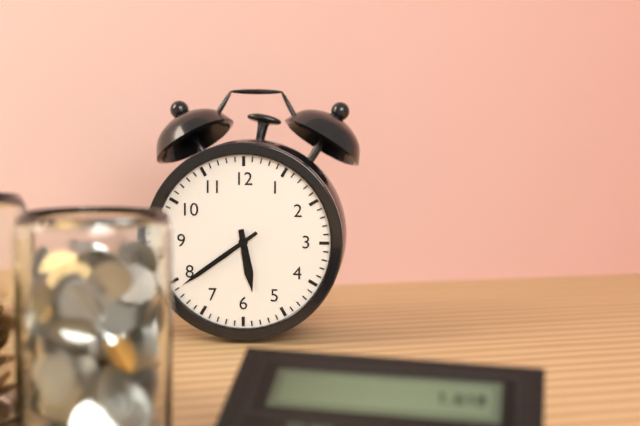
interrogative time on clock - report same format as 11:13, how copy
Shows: 5:39
